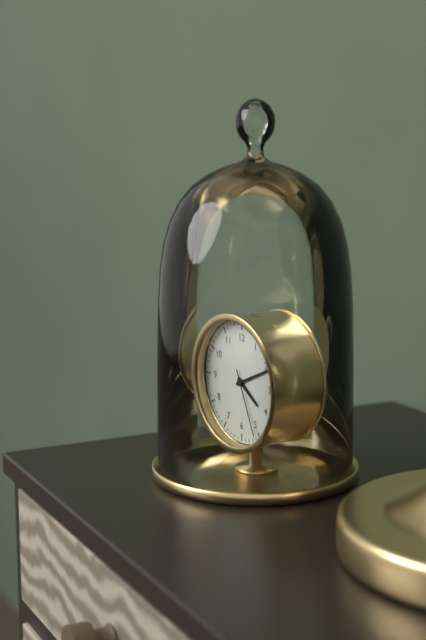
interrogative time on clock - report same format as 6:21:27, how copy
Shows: 4:11:26
